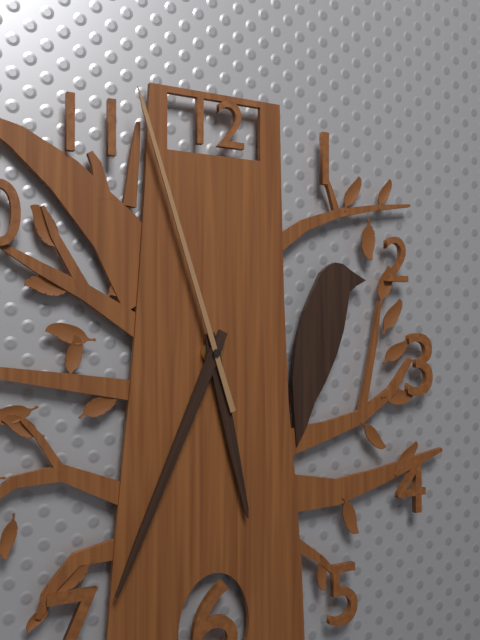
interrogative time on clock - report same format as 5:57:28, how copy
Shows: 5:34:57
